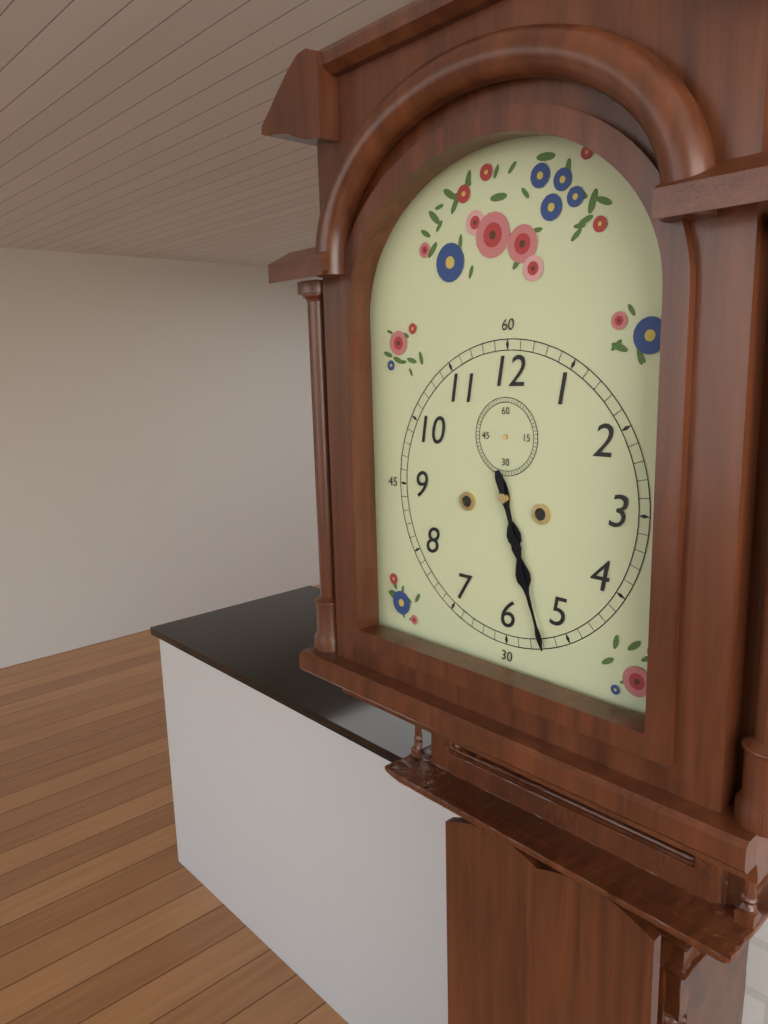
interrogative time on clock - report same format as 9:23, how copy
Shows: 5:27
